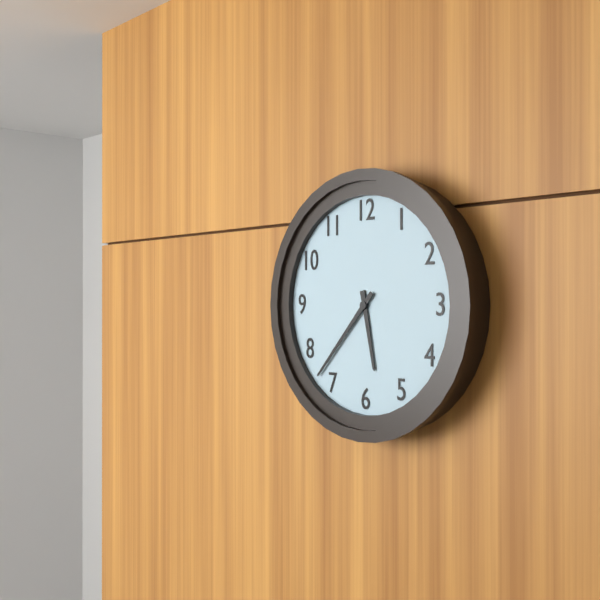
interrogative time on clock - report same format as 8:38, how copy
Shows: 5:37
